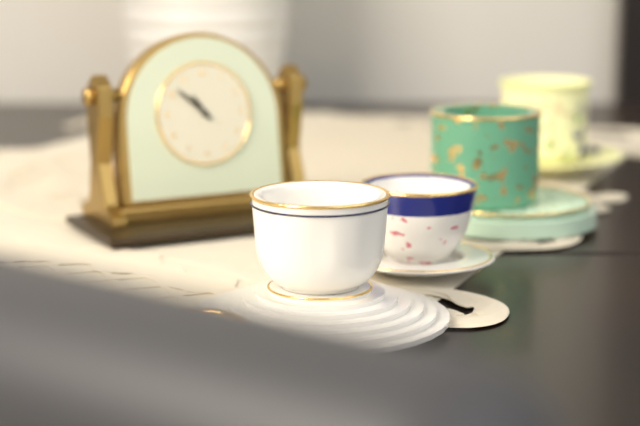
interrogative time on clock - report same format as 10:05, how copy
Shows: 10:52
